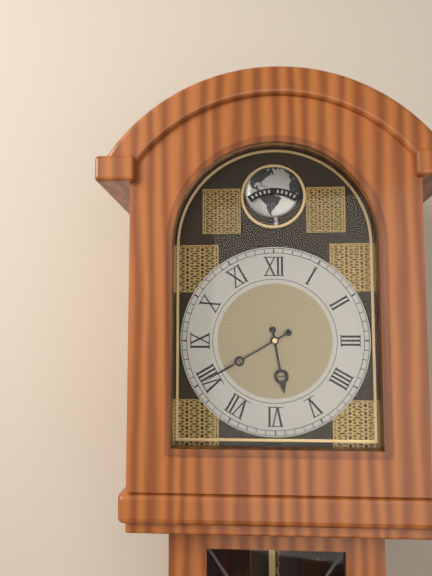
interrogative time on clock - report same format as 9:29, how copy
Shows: 5:40
